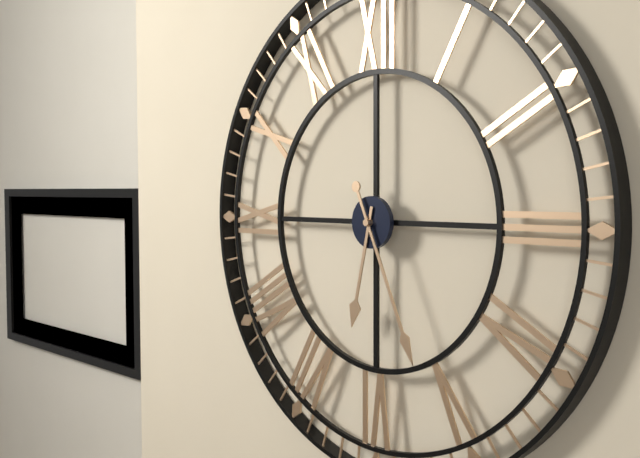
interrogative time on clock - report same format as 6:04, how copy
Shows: 6:26
